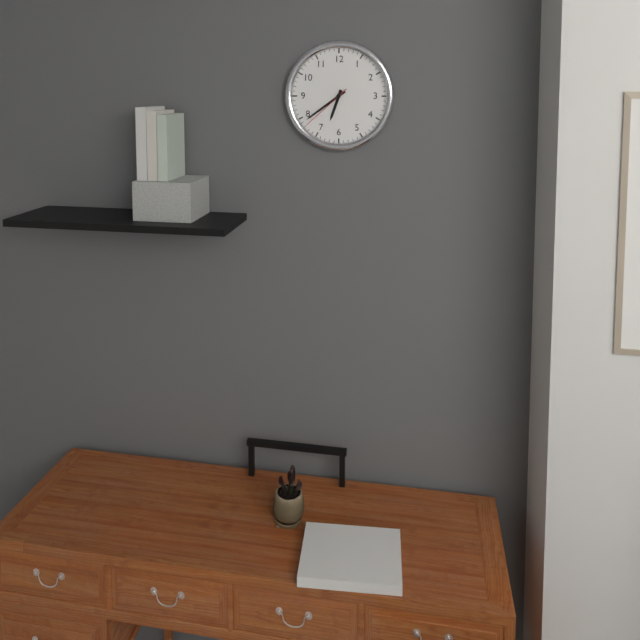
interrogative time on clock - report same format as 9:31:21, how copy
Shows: 6:39:38
